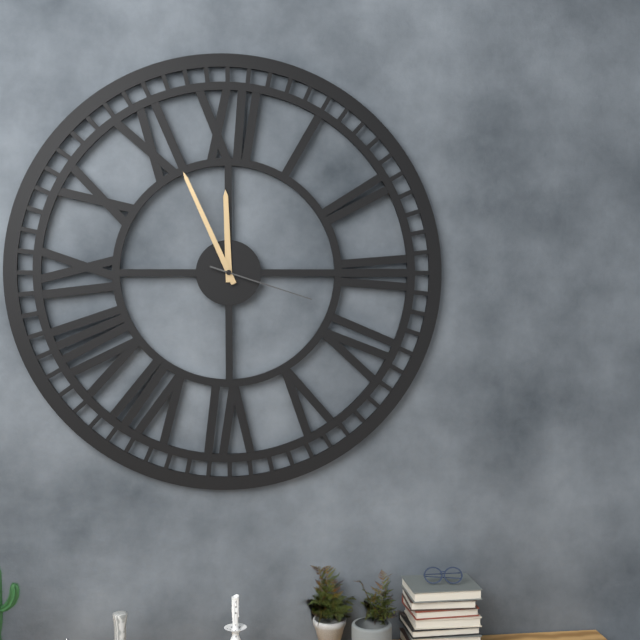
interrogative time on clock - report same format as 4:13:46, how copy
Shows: 11:56:18
